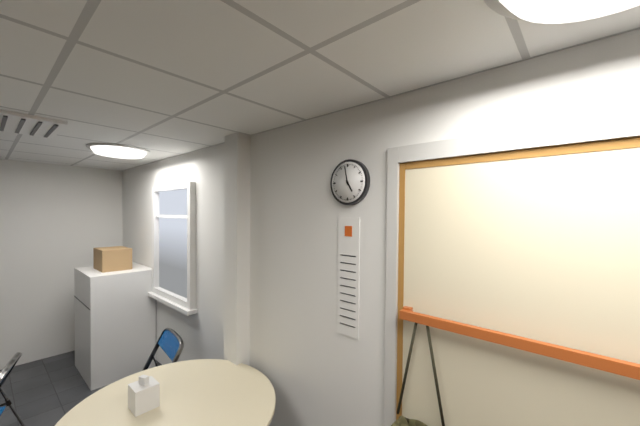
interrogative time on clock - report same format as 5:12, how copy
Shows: 4:58
